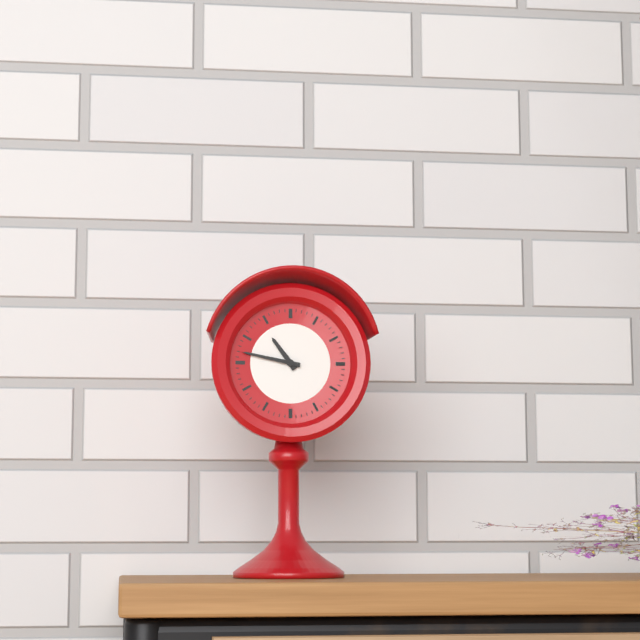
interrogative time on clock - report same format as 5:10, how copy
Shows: 10:47
